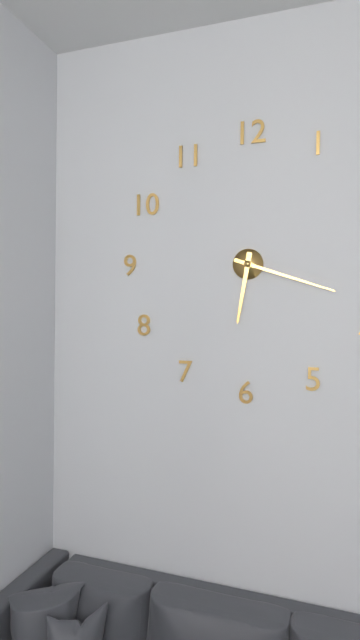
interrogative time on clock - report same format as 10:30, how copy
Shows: 6:18
